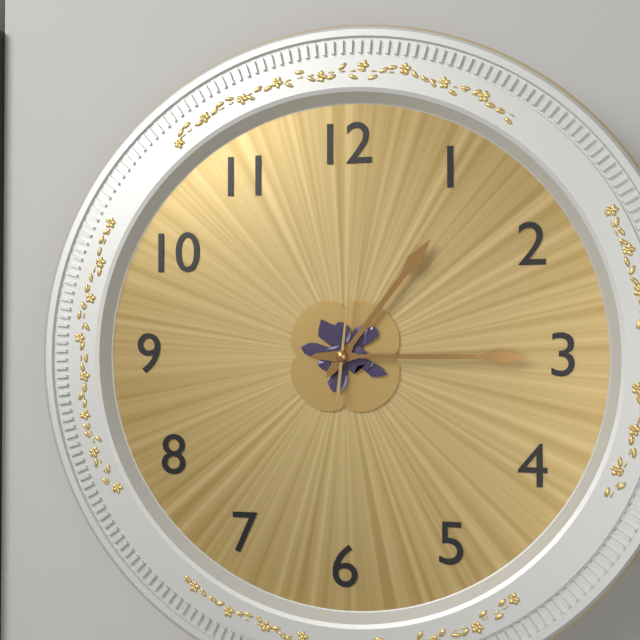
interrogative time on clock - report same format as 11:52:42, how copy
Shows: 1:15:01
